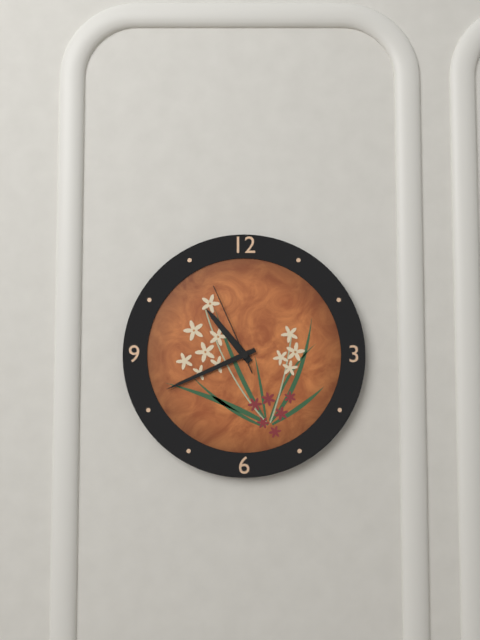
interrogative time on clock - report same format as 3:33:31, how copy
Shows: 10:41:56
